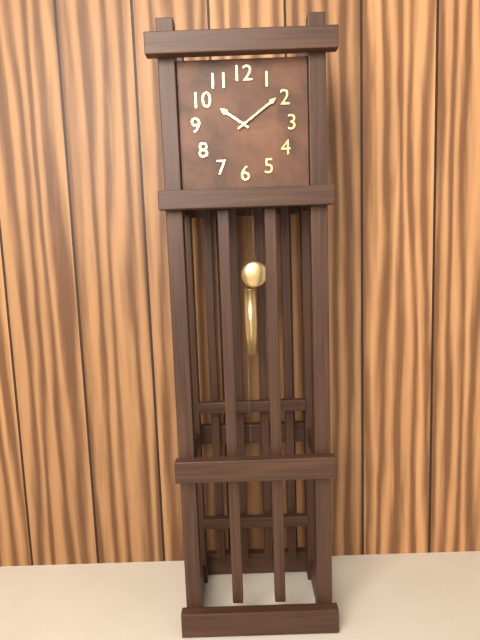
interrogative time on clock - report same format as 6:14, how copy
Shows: 10:09
